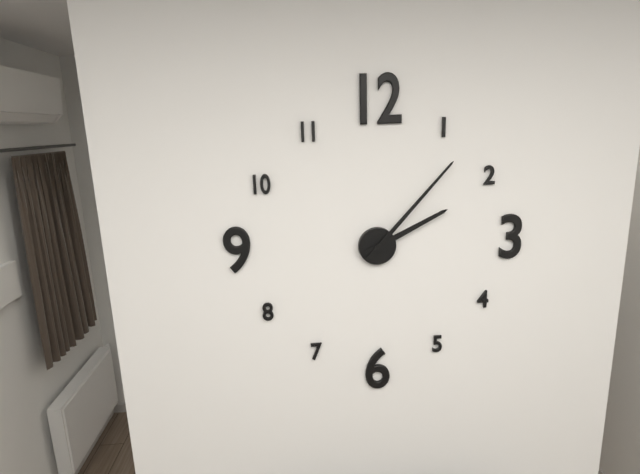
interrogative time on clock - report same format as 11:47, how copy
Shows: 2:07
